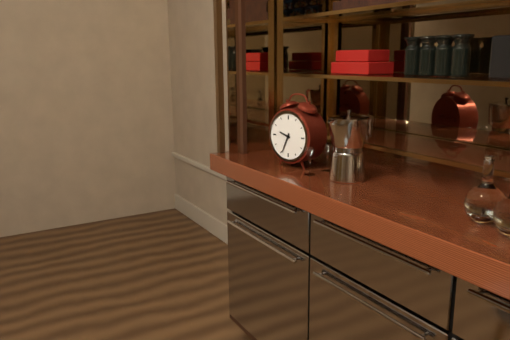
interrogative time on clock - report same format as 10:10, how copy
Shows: 9:34
